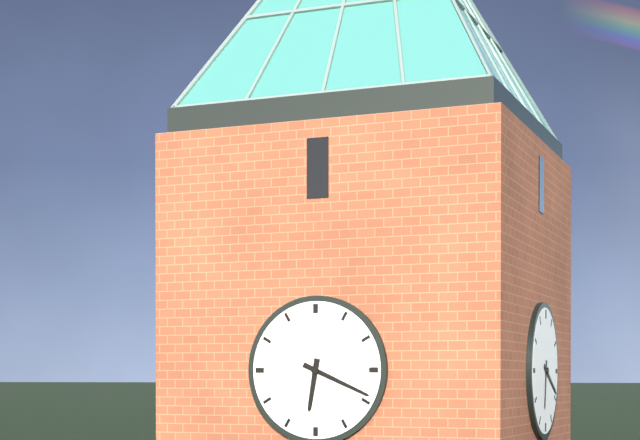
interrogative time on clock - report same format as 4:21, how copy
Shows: 6:19
